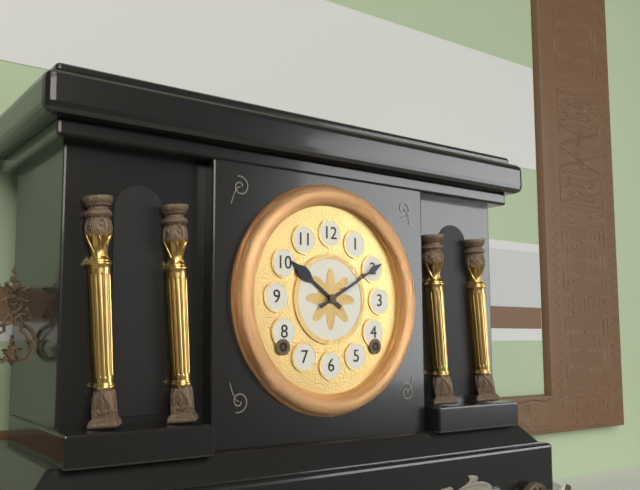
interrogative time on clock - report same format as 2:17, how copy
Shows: 10:10
